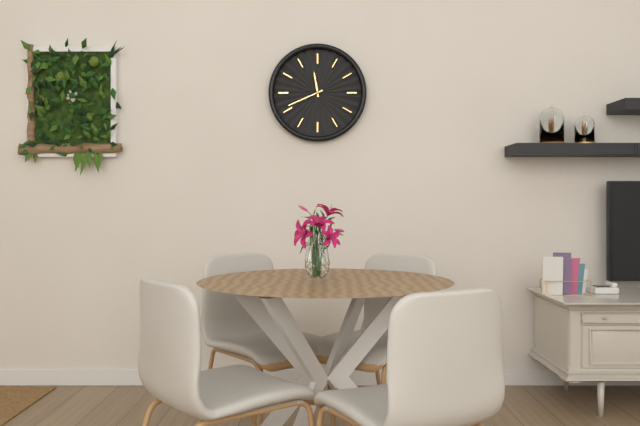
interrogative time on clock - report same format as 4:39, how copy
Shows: 11:41
